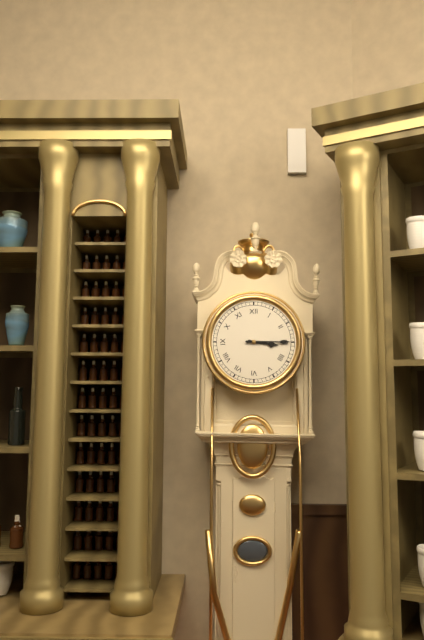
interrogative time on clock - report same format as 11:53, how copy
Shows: 3:15
